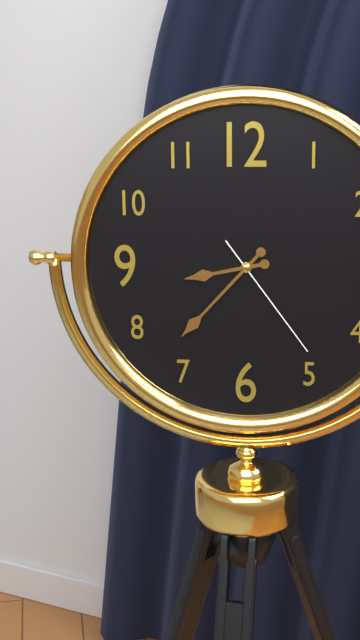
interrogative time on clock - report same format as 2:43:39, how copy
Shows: 8:37:24
